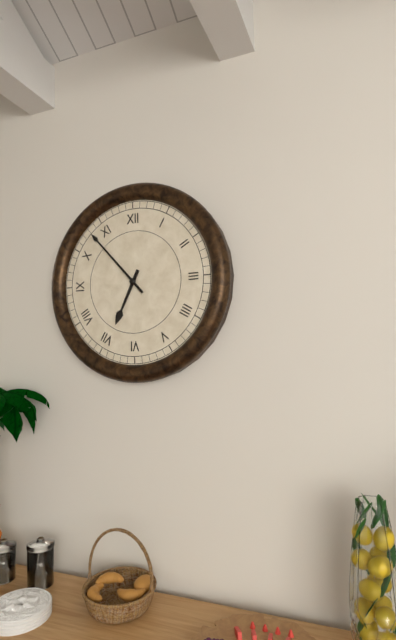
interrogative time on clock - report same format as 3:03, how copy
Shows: 6:53
